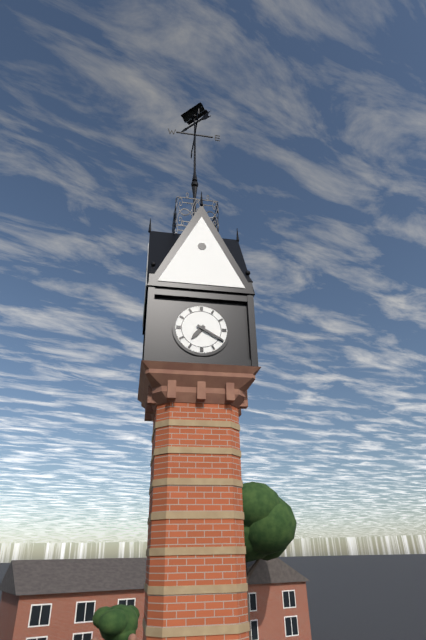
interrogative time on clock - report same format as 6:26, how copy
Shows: 7:20
